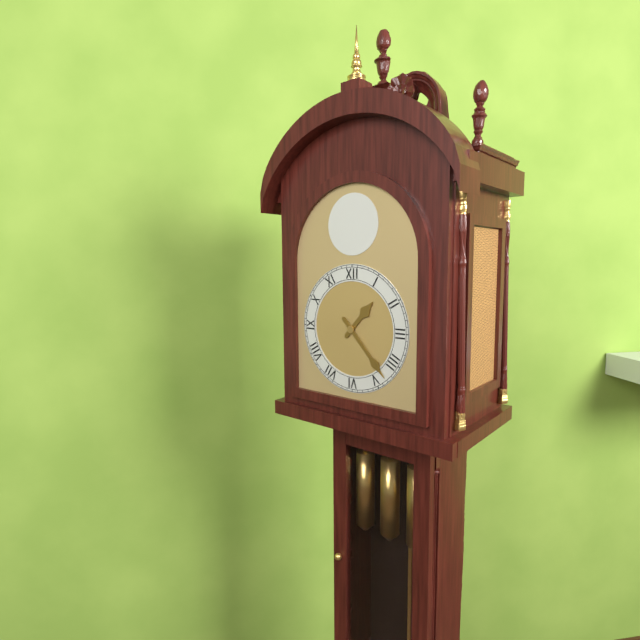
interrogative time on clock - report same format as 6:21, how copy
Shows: 1:23
